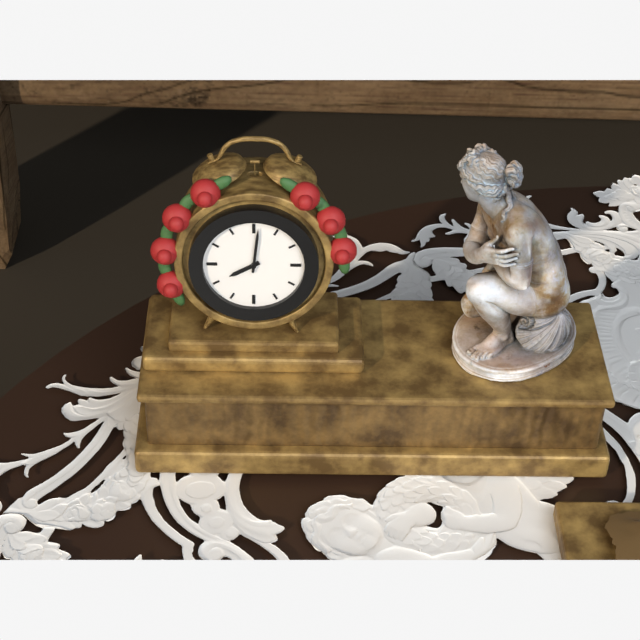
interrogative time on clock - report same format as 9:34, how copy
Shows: 8:01
